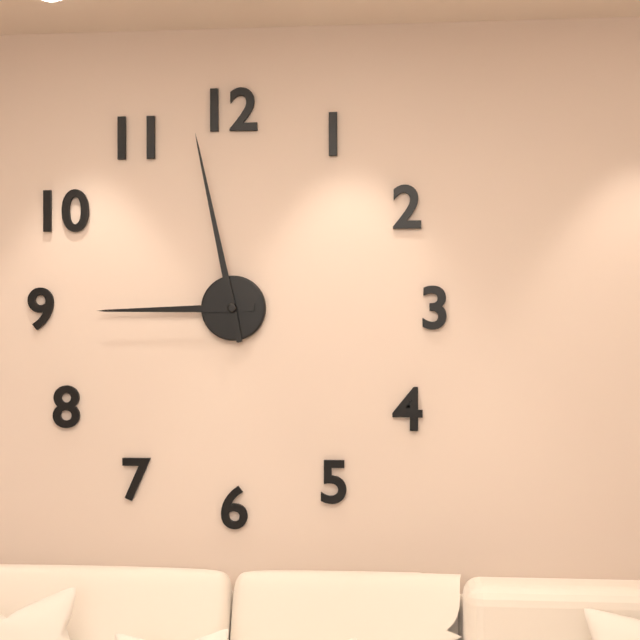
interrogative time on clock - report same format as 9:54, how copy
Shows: 8:58
